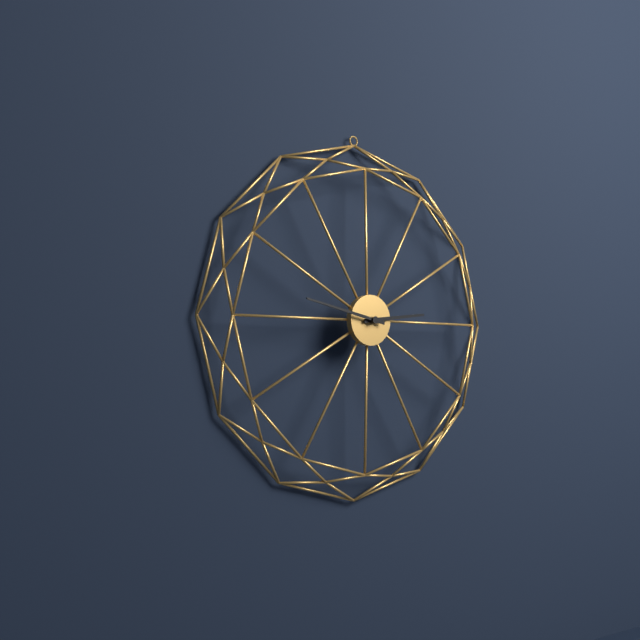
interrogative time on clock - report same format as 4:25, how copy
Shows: 2:47
